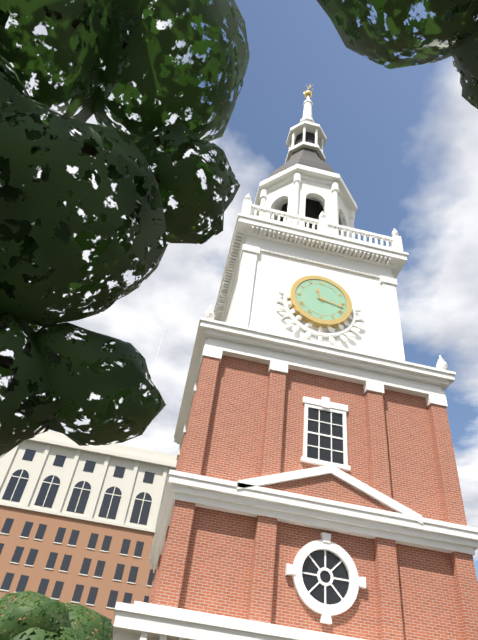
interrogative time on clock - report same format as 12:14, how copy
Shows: 11:17
